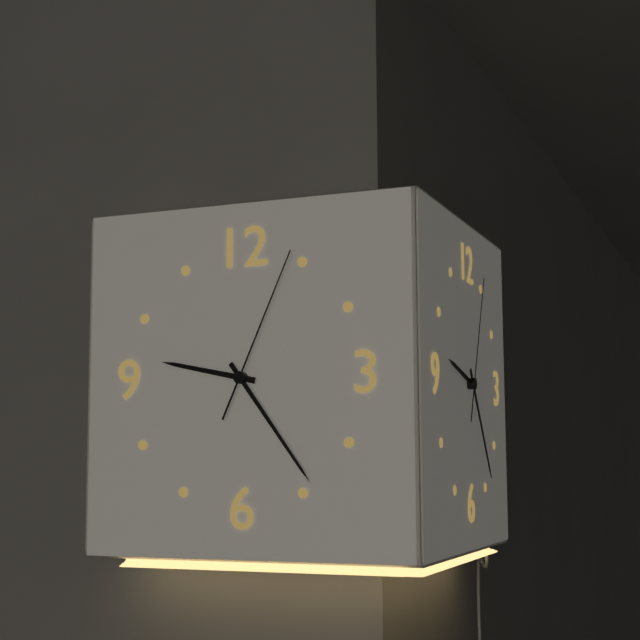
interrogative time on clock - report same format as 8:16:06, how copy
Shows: 9:24:04
